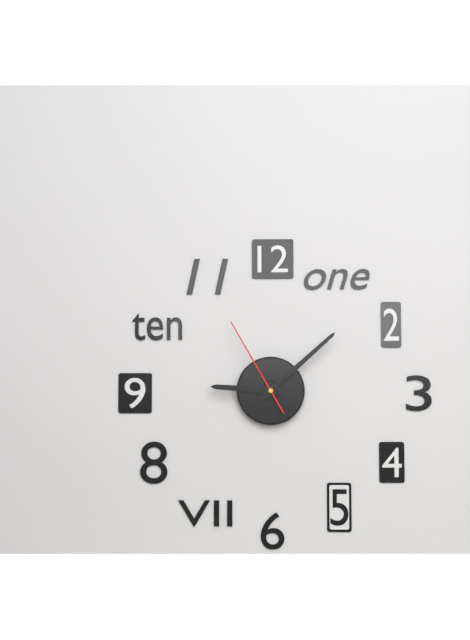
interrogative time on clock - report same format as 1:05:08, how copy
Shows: 9:08:55
